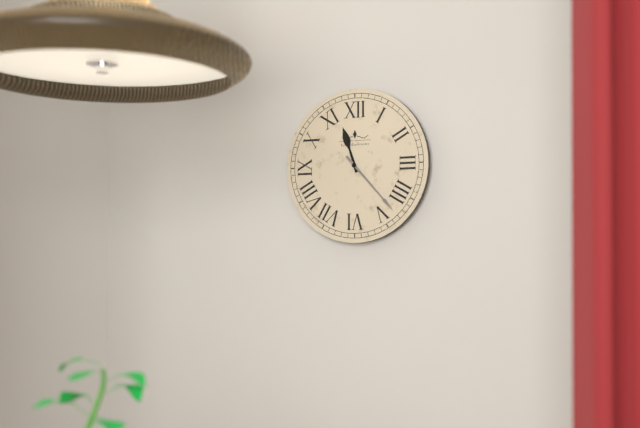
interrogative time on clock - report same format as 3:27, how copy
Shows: 11:23
